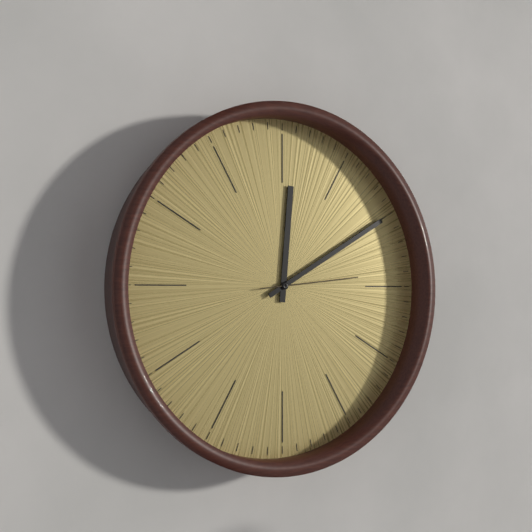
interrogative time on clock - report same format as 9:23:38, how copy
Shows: 12:10:14
